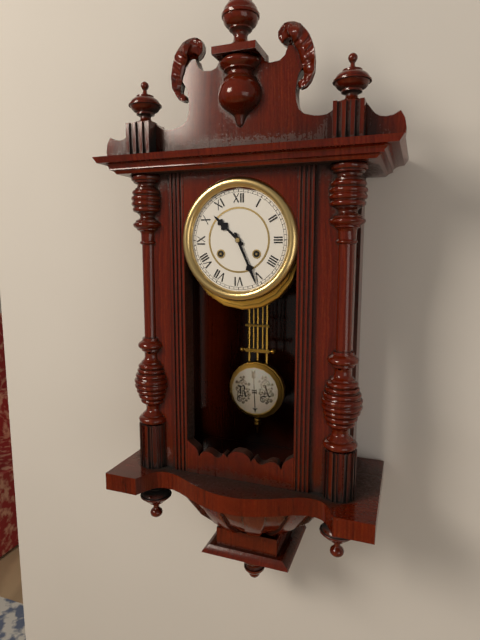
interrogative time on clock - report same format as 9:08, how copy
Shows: 10:26
